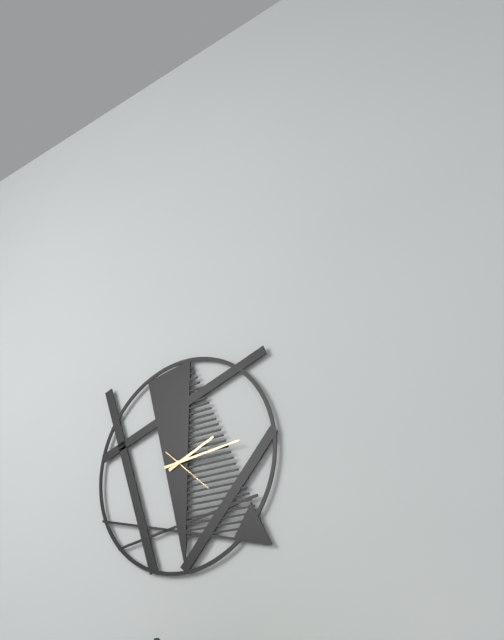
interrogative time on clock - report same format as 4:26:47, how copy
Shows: 2:14:22
